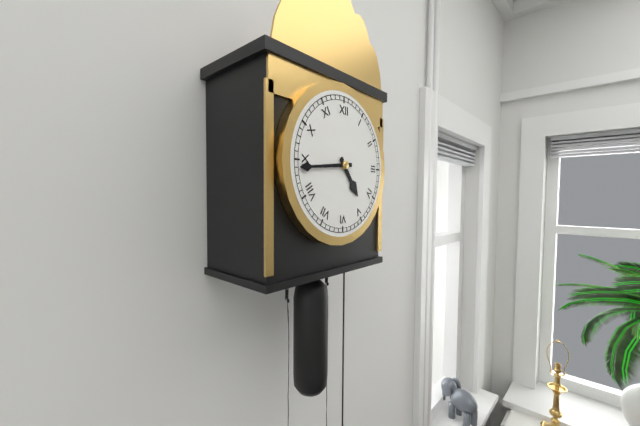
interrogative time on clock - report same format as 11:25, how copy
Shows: 4:44
